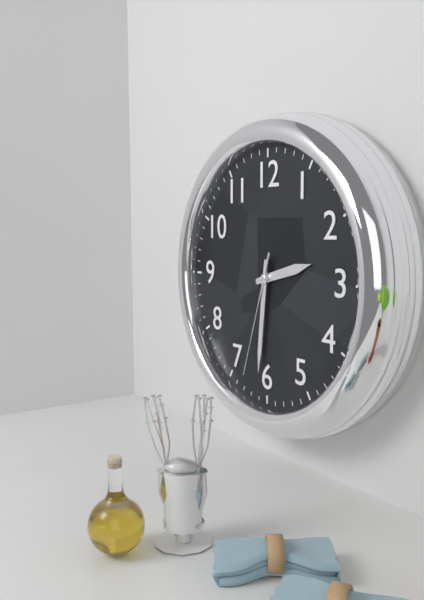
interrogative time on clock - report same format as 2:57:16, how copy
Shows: 2:31:33
